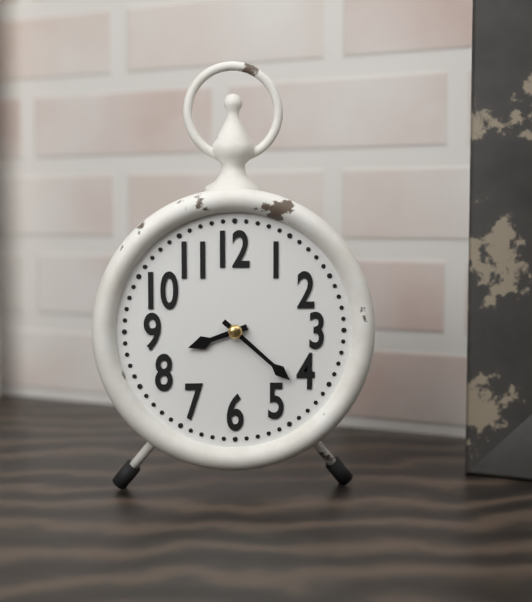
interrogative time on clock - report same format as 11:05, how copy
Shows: 8:22
